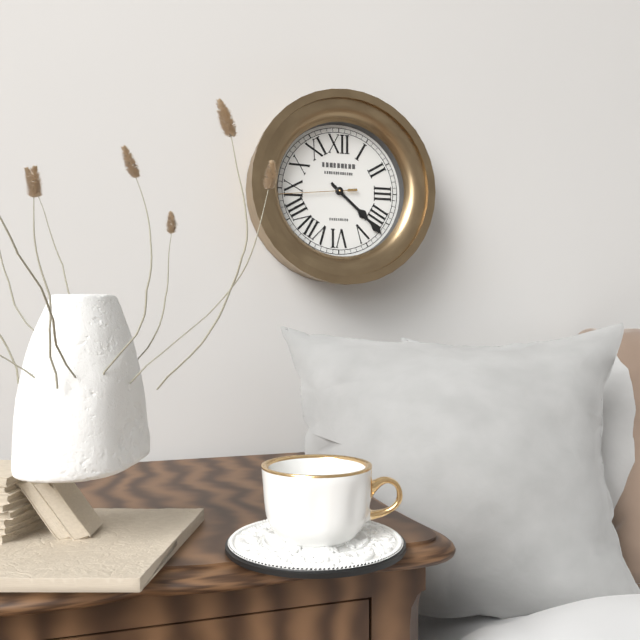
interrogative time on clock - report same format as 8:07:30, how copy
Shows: 4:22:44
